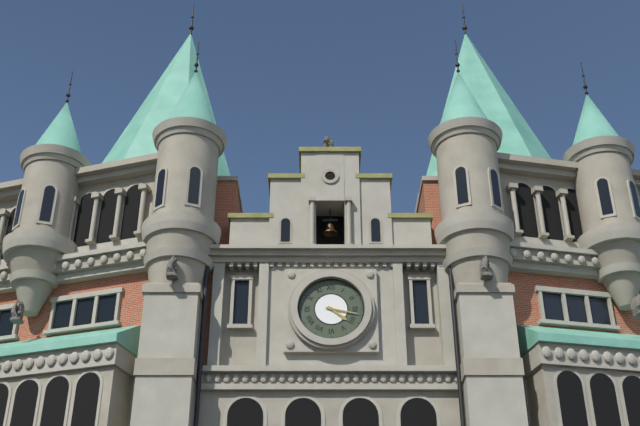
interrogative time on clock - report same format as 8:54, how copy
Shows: 4:17
